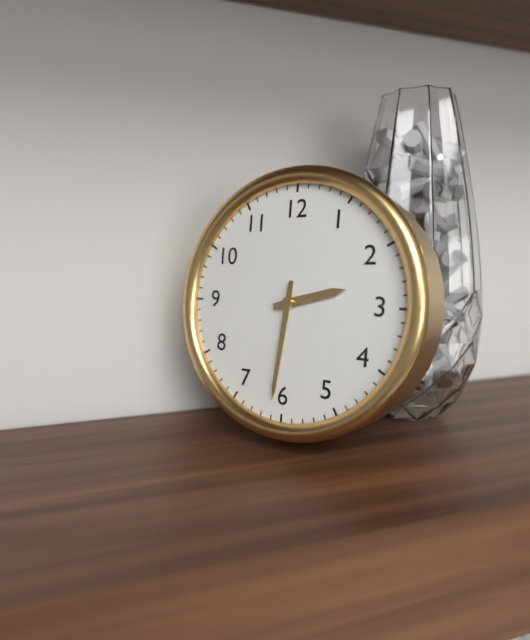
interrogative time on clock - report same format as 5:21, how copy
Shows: 2:31
